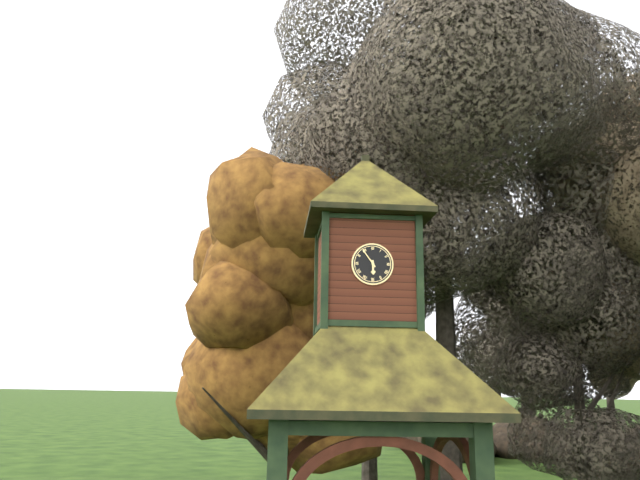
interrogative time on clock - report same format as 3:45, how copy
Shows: 5:54
